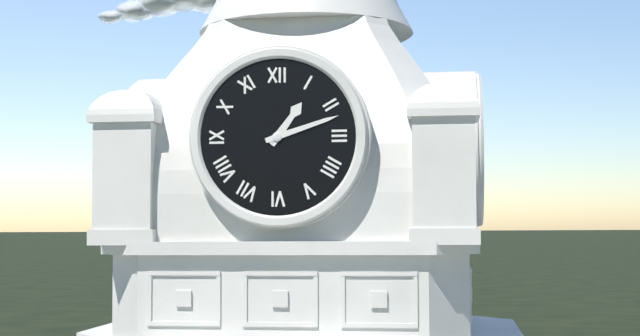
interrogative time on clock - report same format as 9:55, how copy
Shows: 1:12
